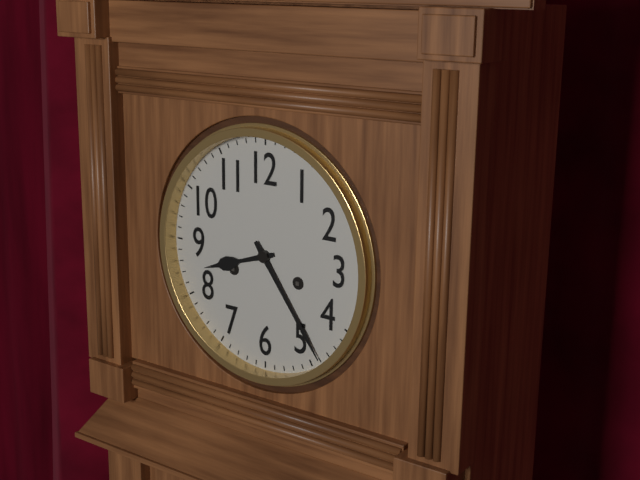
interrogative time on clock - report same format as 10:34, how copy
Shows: 8:24
